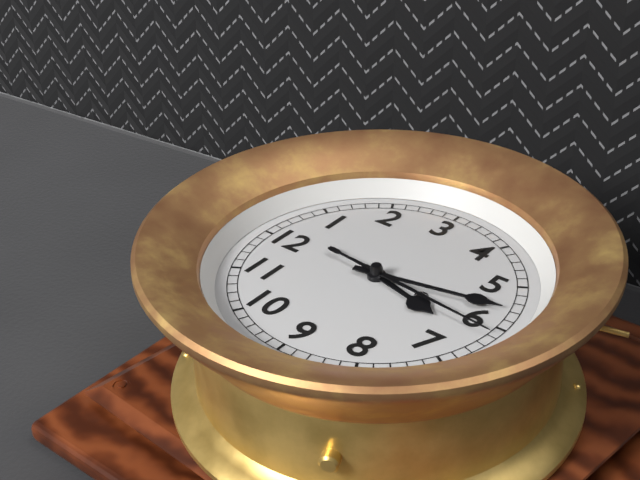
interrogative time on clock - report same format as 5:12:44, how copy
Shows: 6:28:31
